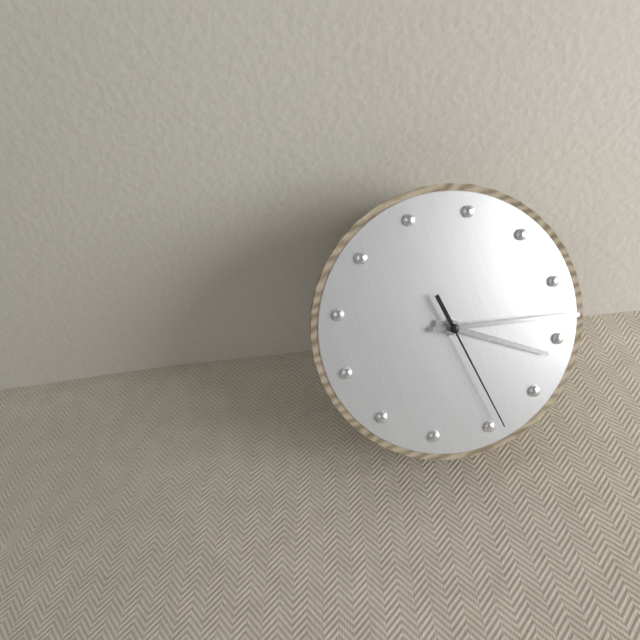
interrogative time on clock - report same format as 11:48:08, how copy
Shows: 4:18:29
